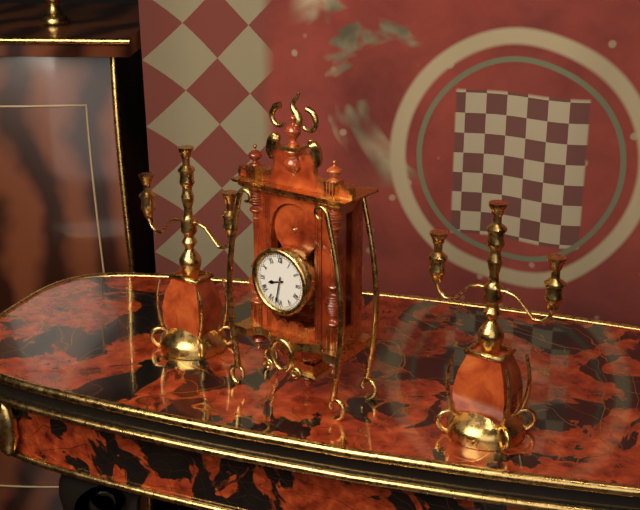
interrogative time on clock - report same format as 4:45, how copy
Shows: 8:32
